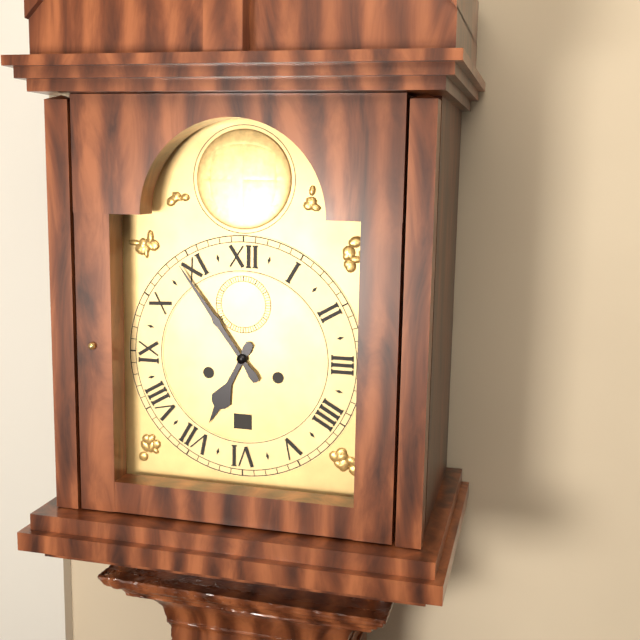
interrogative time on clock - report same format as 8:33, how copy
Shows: 6:54
